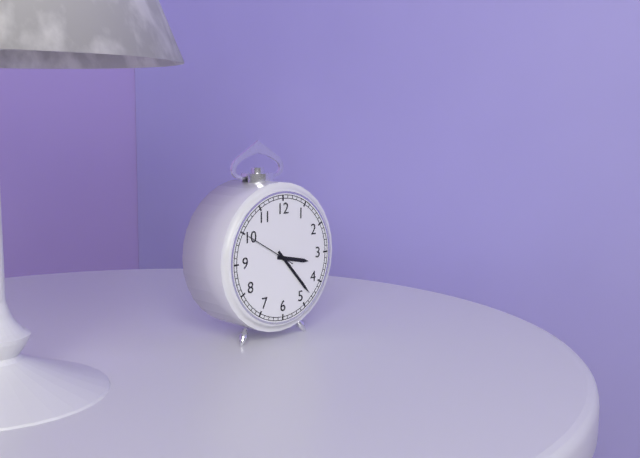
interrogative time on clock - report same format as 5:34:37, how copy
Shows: 3:23:50
